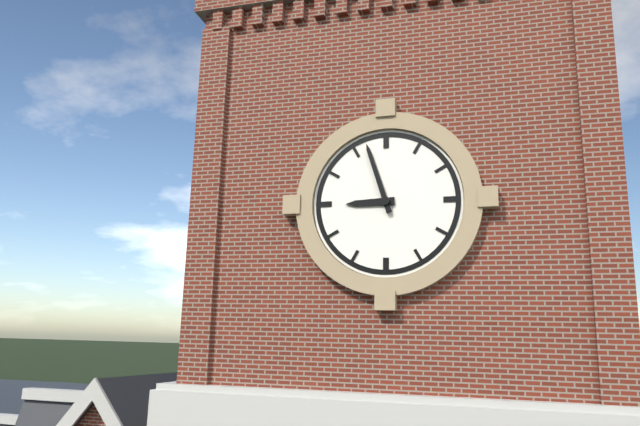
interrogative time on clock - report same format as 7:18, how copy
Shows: 8:57
